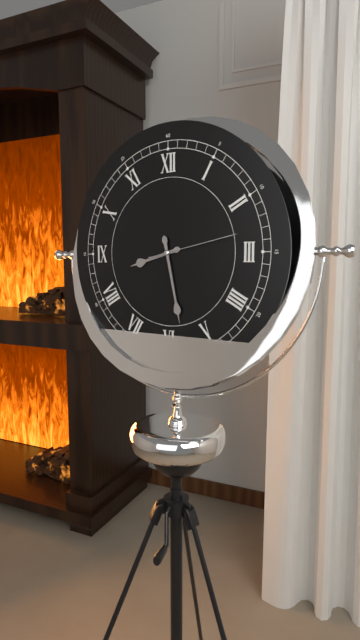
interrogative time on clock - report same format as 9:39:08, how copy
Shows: 8:28:13
